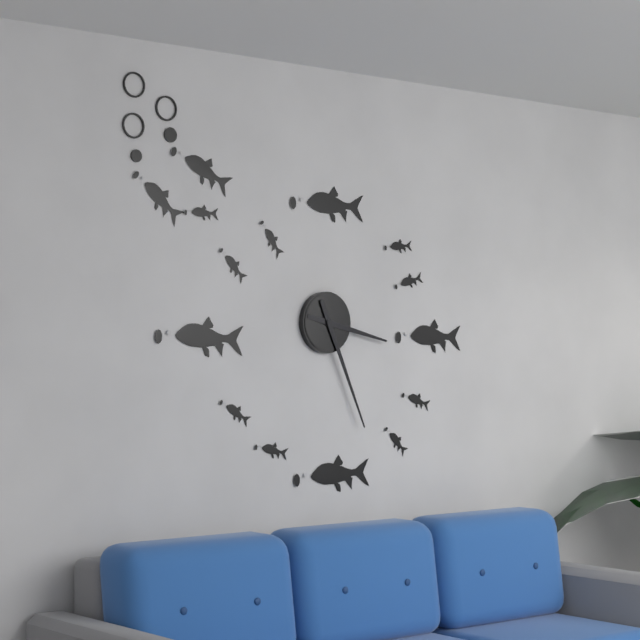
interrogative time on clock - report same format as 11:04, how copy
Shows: 3:26
